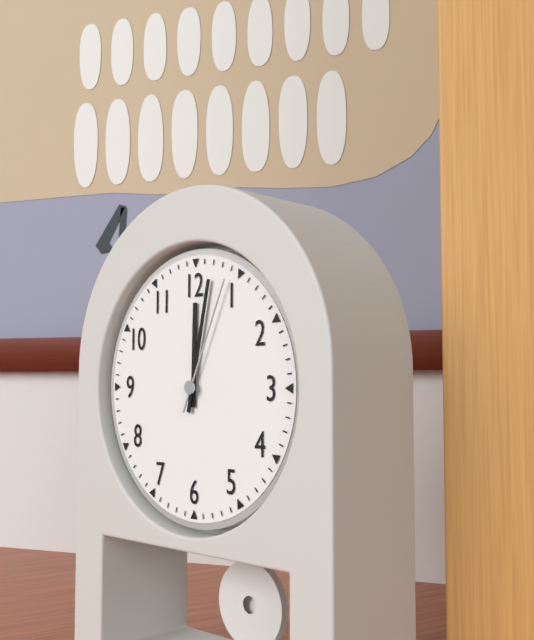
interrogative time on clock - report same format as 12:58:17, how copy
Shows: 12:02:04
